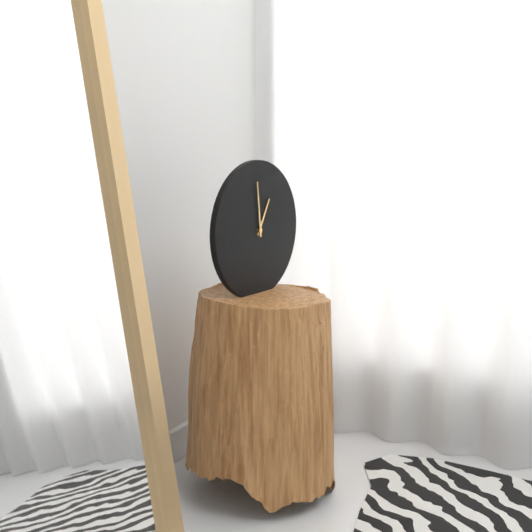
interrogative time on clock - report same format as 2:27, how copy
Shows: 12:59
